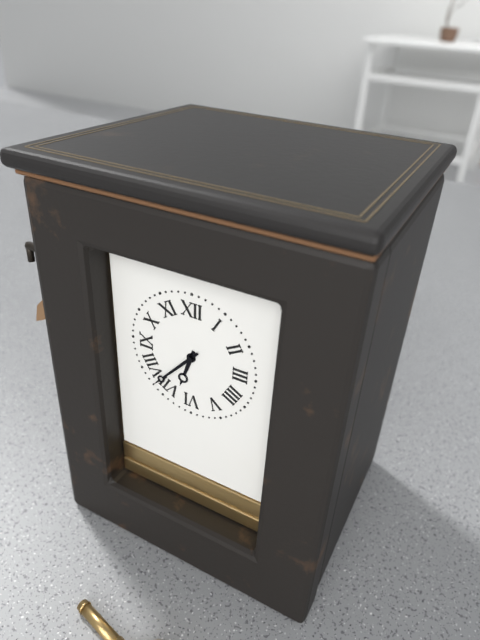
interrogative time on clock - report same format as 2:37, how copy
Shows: 6:37
